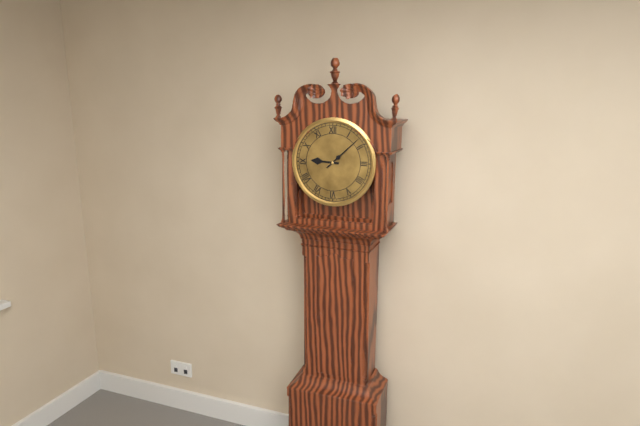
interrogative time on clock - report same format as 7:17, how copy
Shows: 9:08
